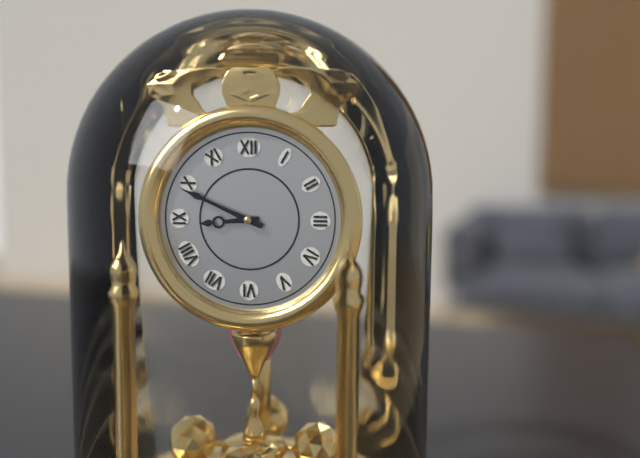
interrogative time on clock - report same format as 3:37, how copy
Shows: 8:49
